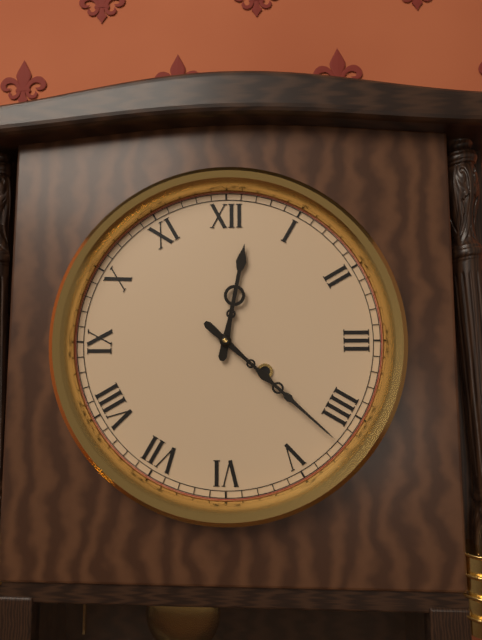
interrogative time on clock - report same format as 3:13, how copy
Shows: 12:22
